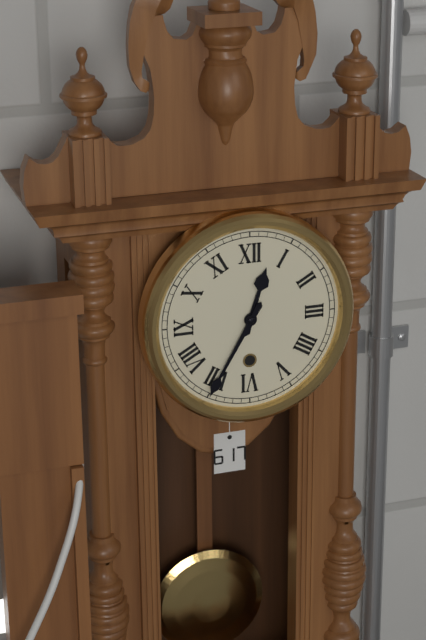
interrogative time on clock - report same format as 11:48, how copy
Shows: 12:35
